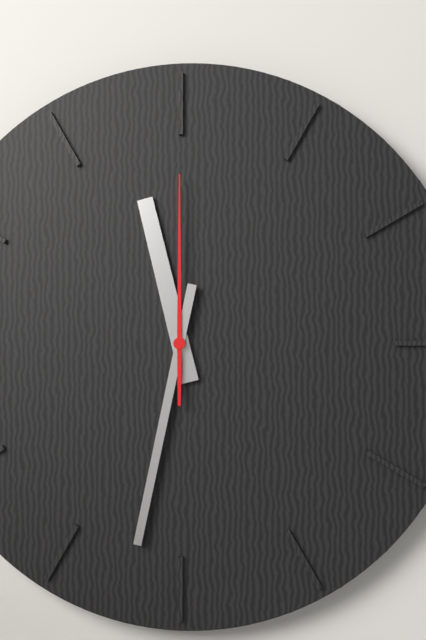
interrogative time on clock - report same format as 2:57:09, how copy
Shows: 11:32:00
